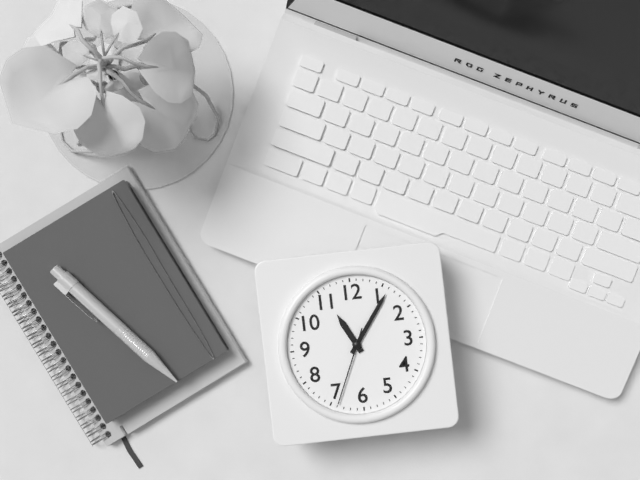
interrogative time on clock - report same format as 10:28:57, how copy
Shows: 11:06:34
